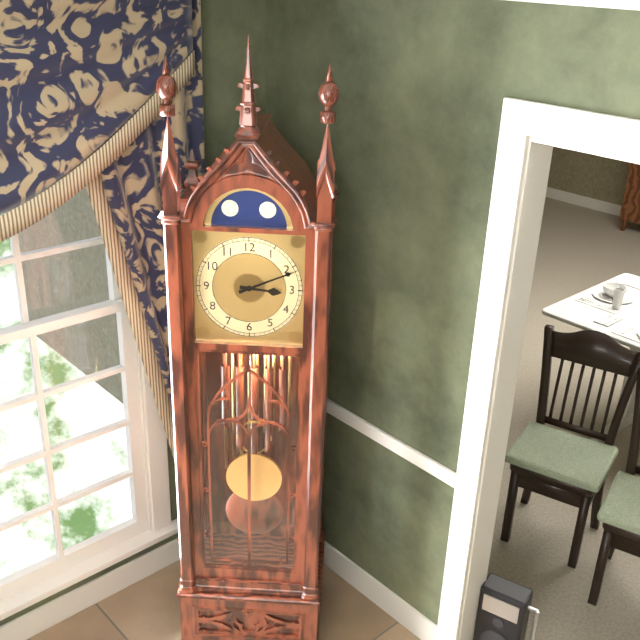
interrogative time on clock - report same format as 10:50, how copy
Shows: 3:11
